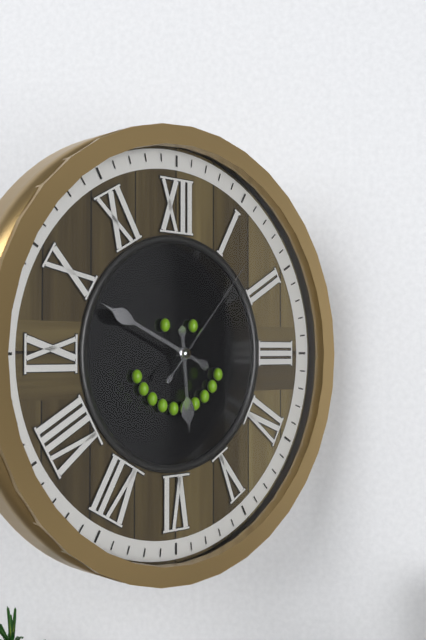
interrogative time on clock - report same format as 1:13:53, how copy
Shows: 5:49:07
